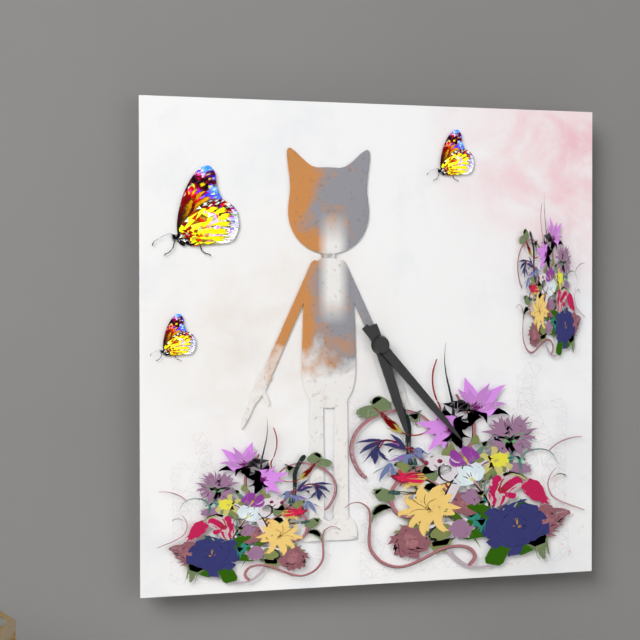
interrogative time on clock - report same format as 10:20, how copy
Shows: 5:23
